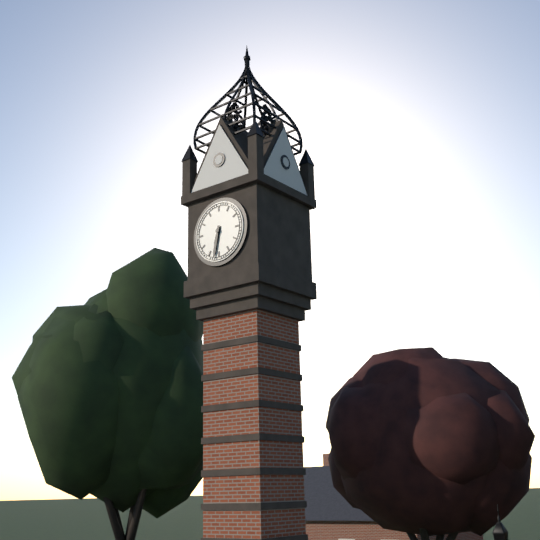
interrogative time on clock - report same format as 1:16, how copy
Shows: 6:32
